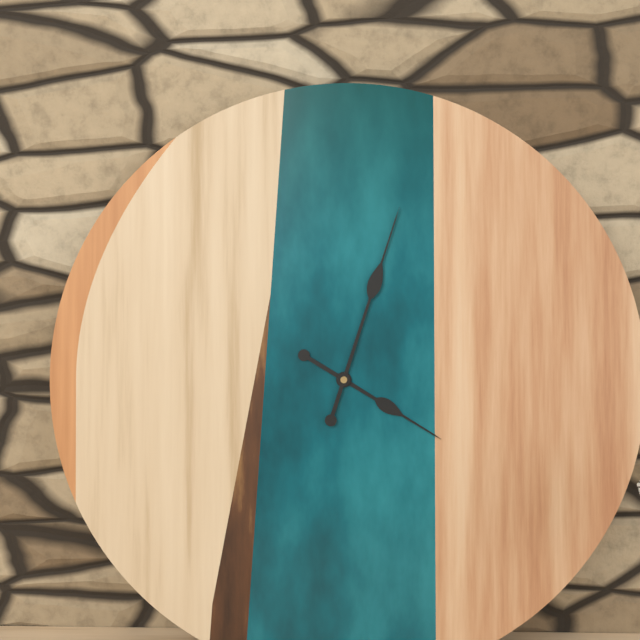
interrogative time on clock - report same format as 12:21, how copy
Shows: 4:03
